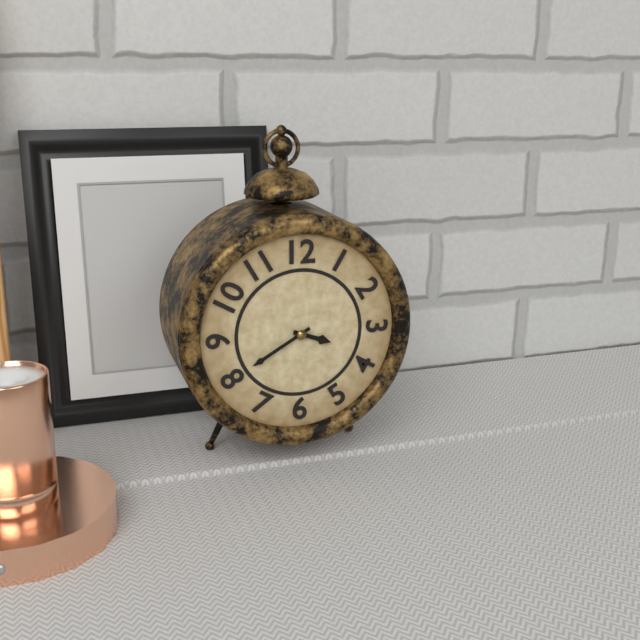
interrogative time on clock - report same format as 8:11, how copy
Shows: 3:40
